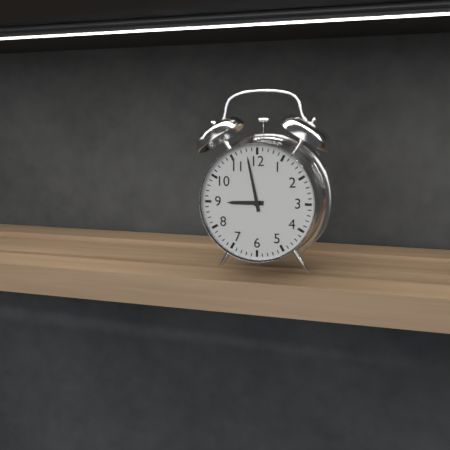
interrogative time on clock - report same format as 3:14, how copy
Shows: 8:58
